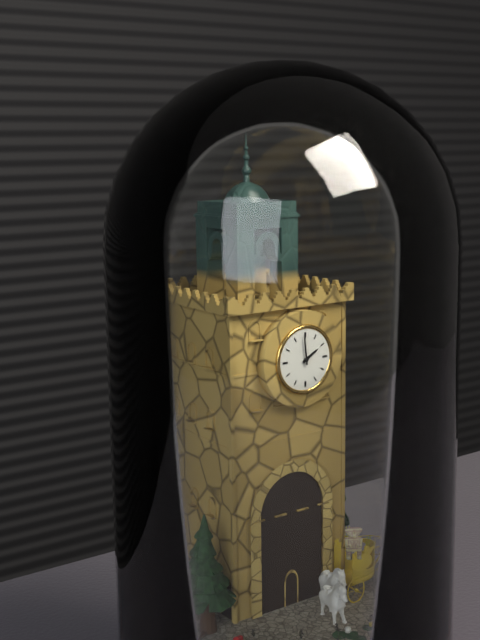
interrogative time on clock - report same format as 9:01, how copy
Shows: 1:59
